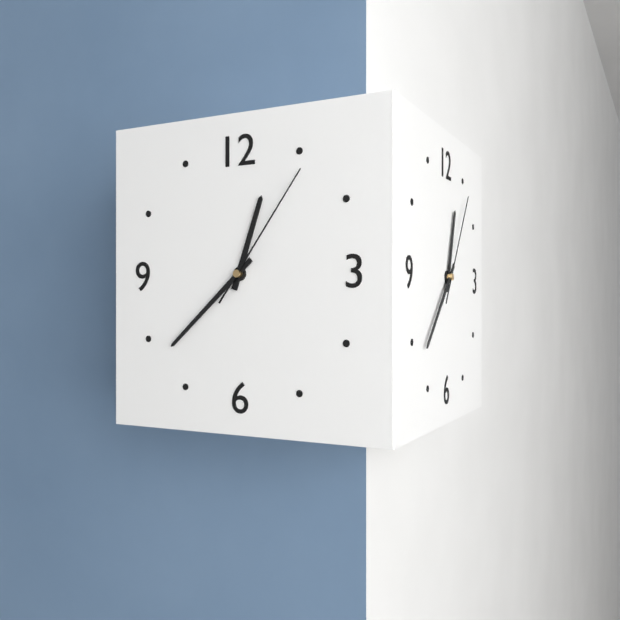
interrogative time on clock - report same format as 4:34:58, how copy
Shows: 12:38:06
